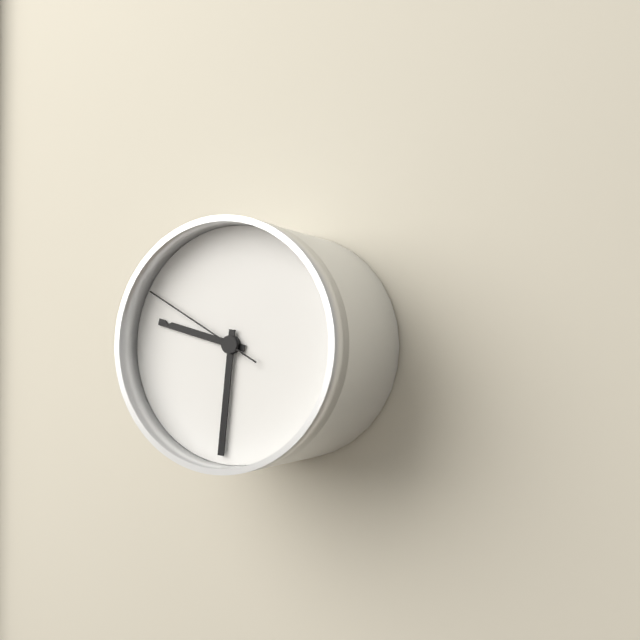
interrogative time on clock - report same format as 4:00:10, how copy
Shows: 9:31:50
